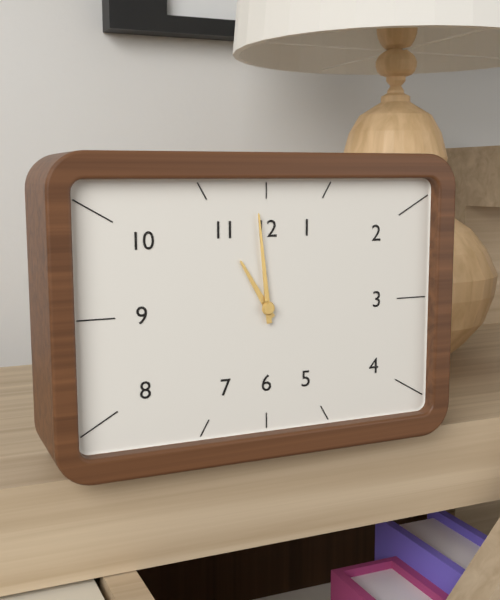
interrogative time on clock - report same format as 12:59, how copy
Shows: 10:59
